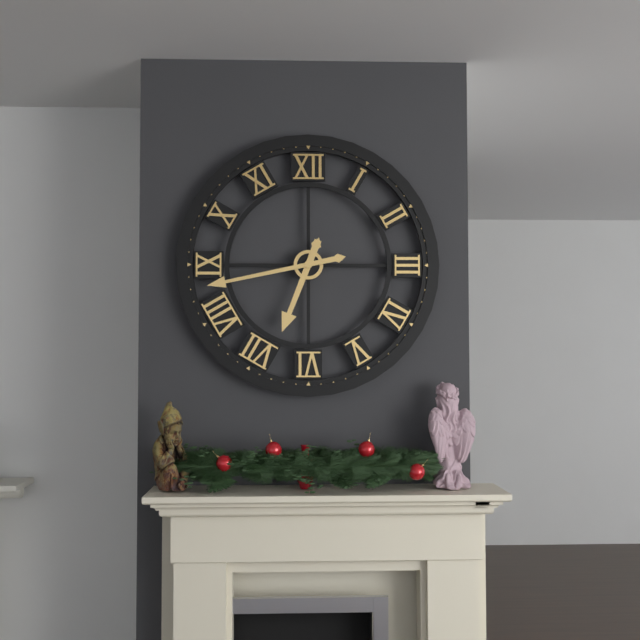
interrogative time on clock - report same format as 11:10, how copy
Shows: 6:43
